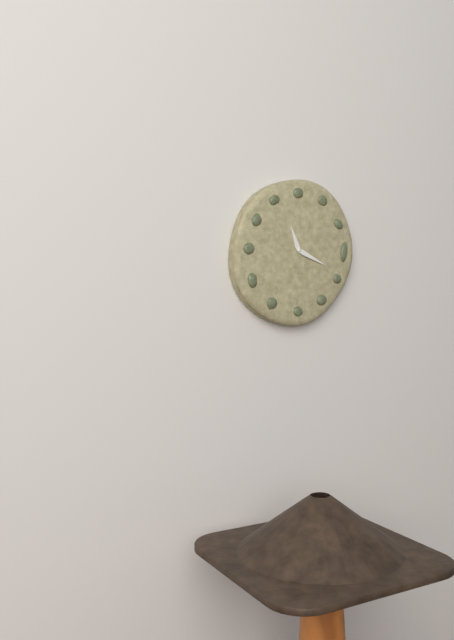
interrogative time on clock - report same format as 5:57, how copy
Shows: 11:19
